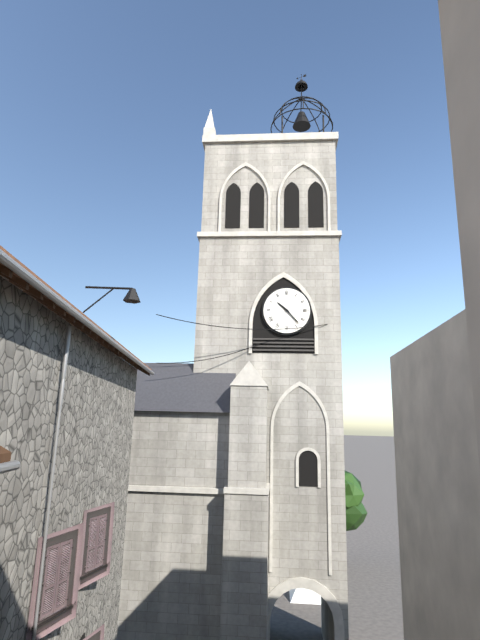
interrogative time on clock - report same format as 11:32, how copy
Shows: 10:23
